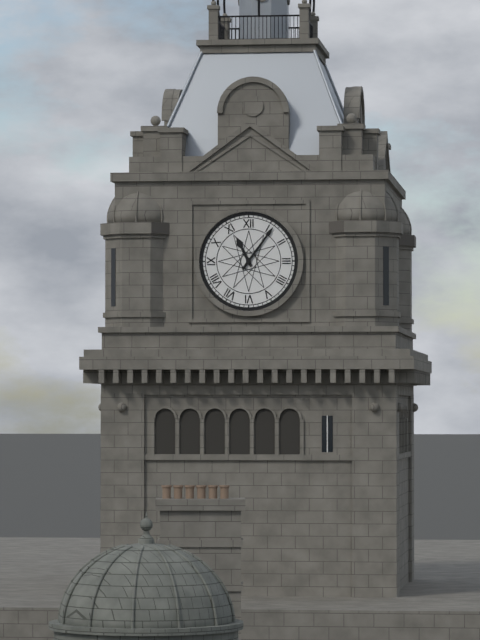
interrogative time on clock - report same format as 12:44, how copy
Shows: 11:06
